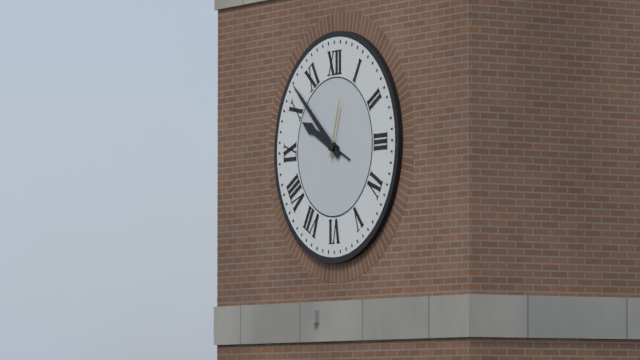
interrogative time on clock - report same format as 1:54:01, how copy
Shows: 9:52:03
